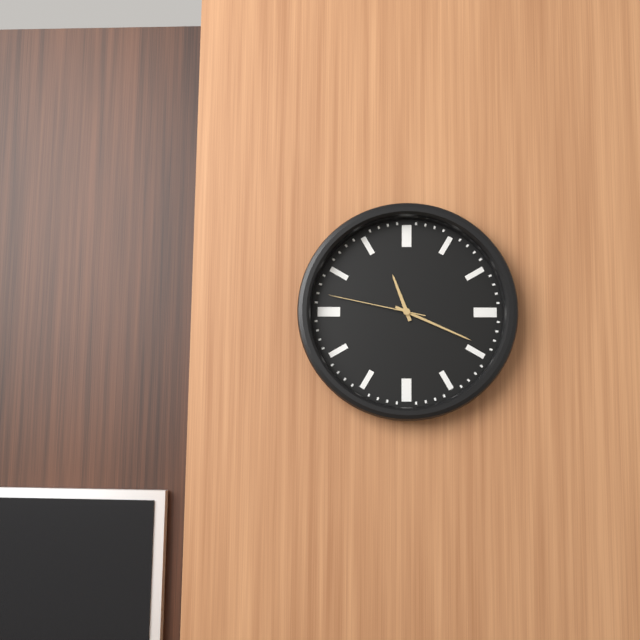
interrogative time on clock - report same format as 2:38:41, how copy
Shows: 11:19:47
